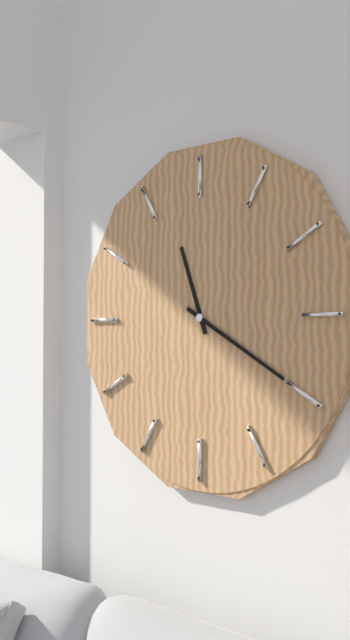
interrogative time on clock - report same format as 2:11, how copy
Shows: 11:20
